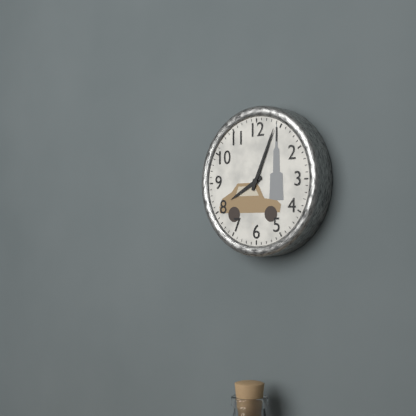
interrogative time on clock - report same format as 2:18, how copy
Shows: 8:04
